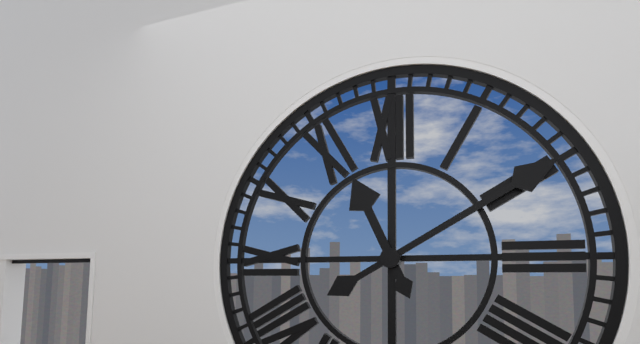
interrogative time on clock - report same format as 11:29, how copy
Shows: 11:10
